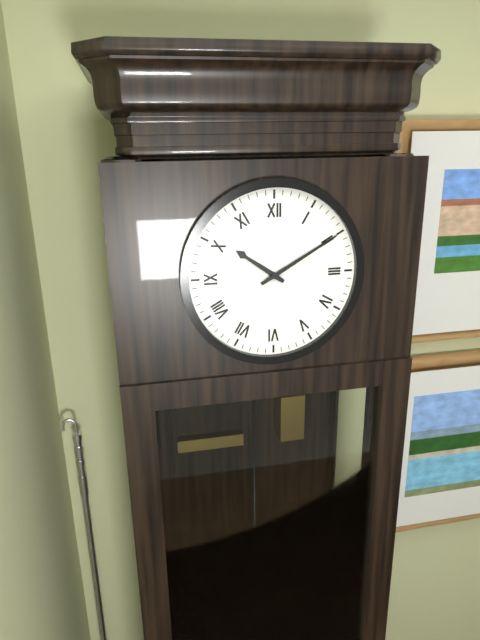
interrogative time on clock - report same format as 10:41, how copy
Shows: 10:10
